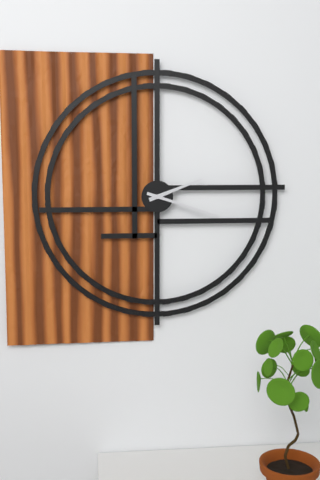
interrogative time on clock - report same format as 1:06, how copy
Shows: 2:18
